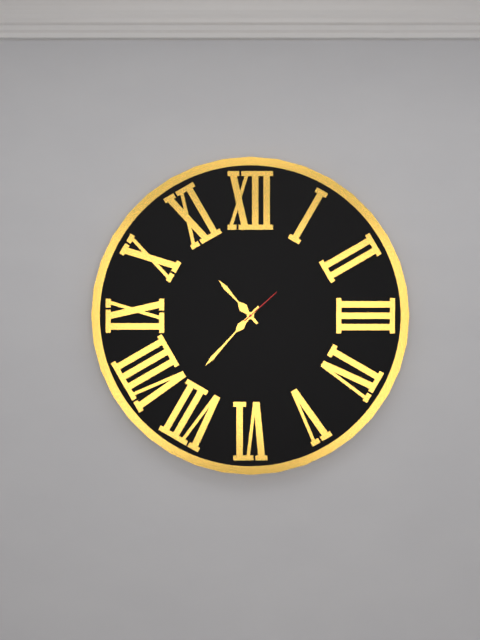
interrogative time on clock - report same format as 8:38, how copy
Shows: 10:37
